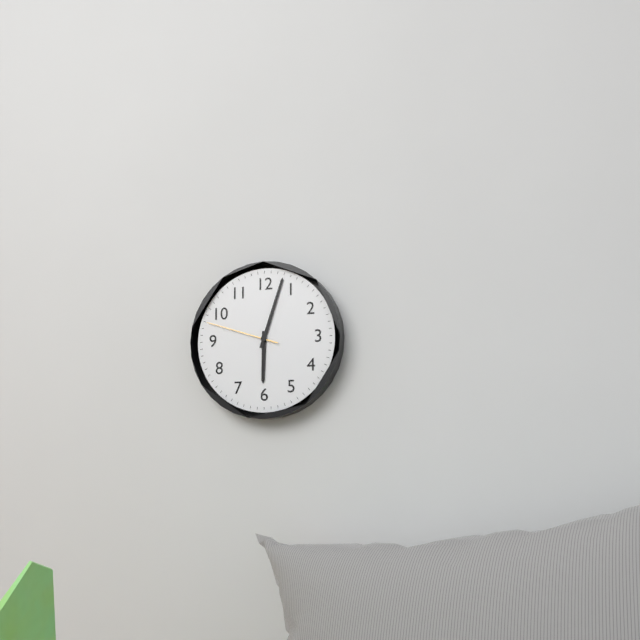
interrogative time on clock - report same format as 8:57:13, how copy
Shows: 6:03:48
